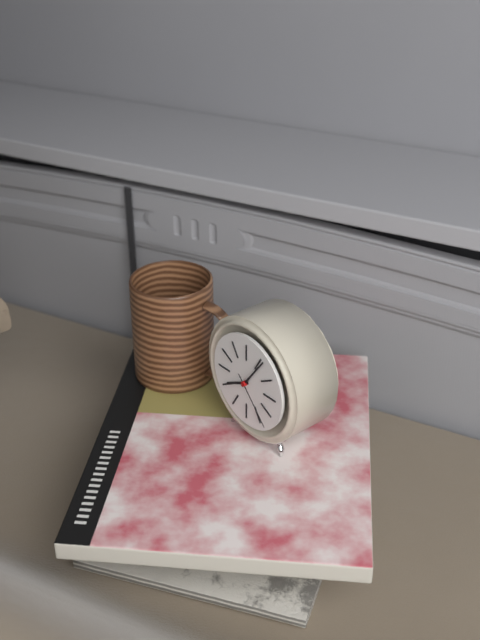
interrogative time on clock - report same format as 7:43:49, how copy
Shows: 8:06:23
